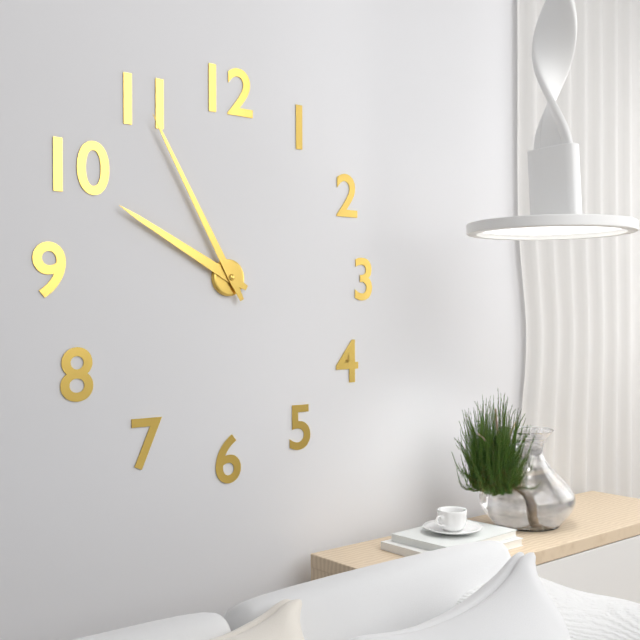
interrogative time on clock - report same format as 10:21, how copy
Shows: 9:55
